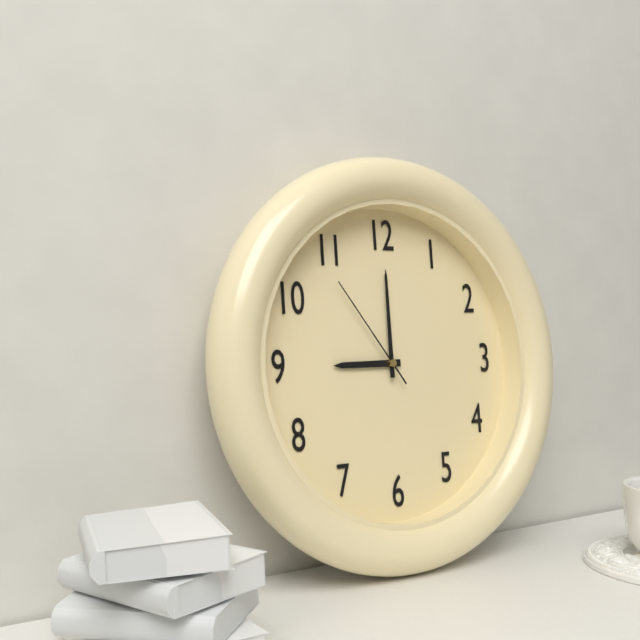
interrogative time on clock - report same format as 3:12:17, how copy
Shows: 9:00:54
